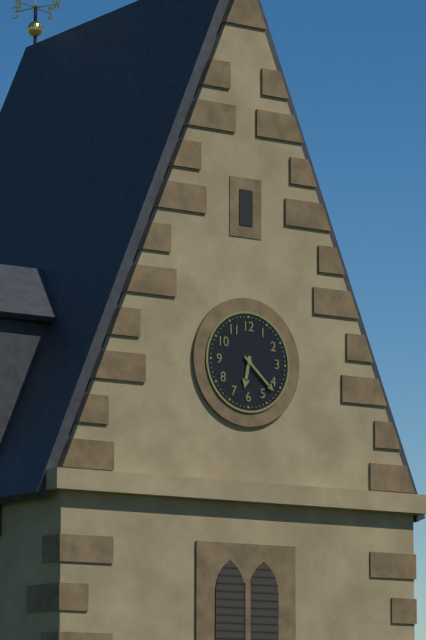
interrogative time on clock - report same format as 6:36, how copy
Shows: 6:22
